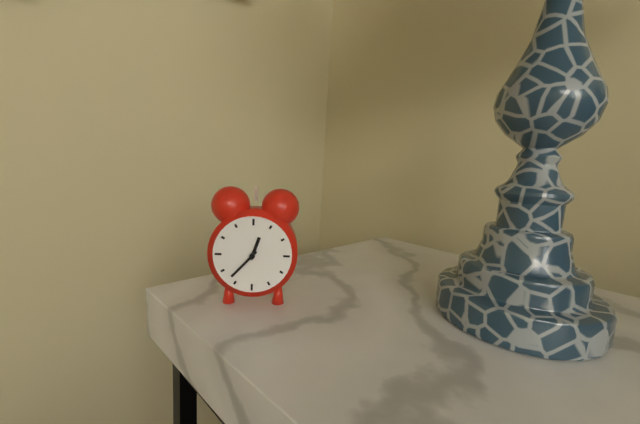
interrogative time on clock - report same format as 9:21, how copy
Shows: 12:37
